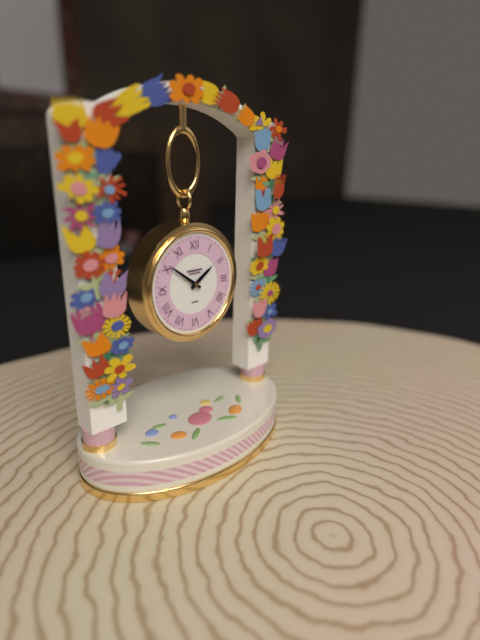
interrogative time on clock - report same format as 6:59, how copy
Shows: 1:51
